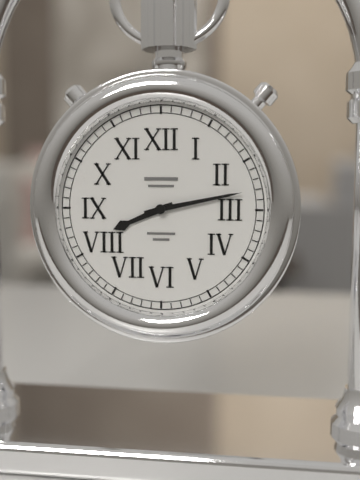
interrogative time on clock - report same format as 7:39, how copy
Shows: 8:13
